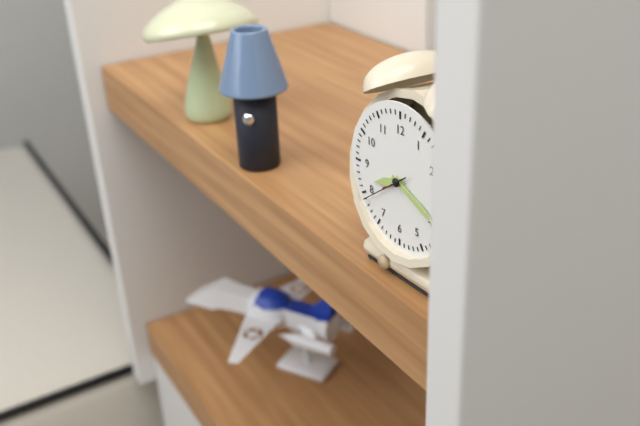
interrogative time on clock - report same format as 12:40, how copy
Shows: 8:19
